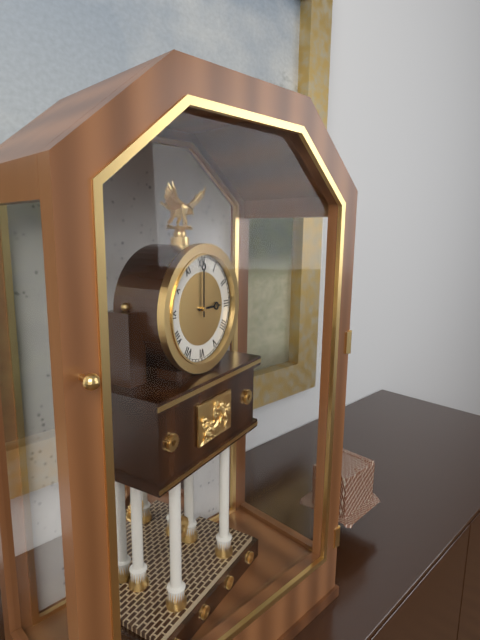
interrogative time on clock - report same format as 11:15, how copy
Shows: 3:00
